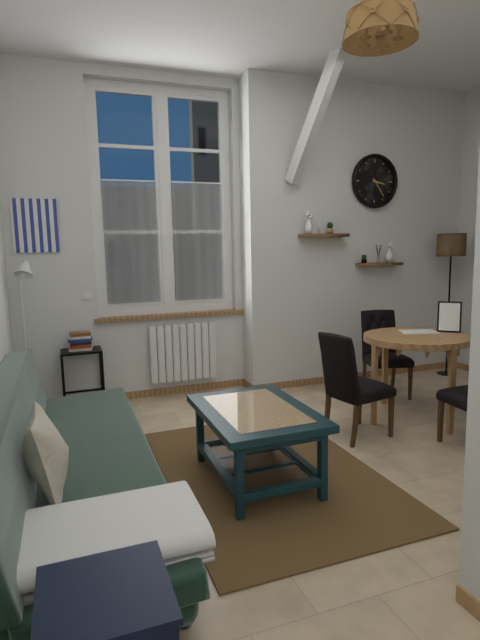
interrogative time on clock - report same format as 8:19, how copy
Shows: 3:24
